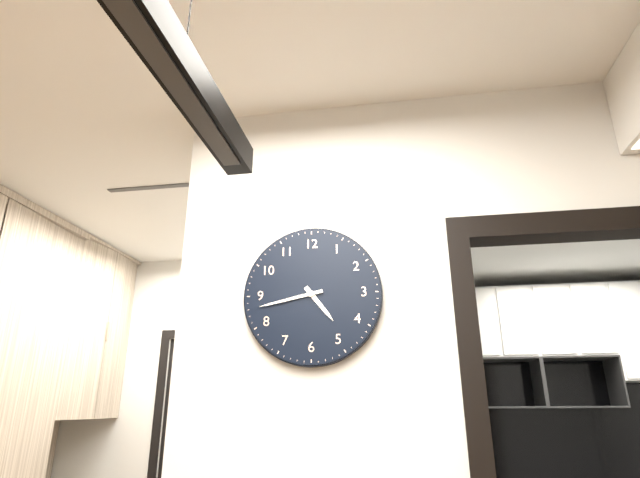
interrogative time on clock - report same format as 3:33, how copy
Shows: 4:43
